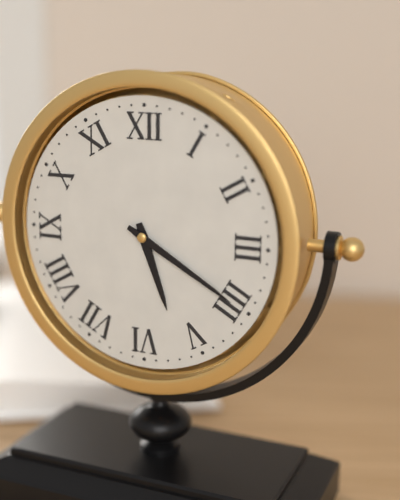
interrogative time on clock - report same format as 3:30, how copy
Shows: 5:20
